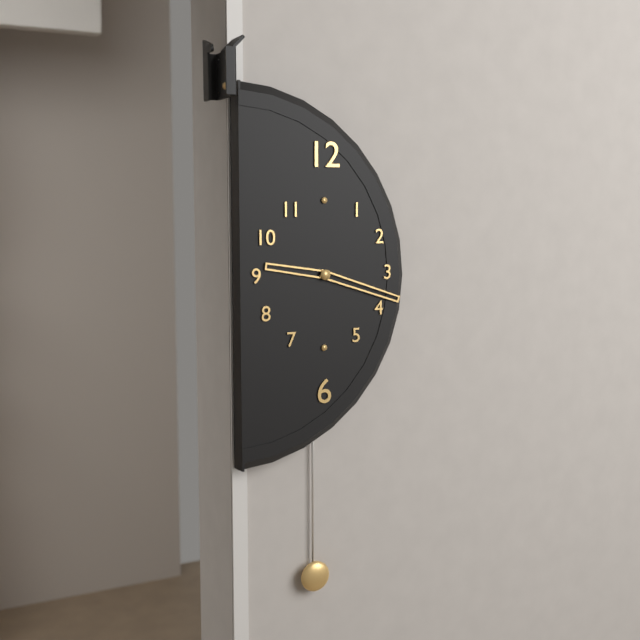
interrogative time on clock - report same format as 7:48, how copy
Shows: 9:18
